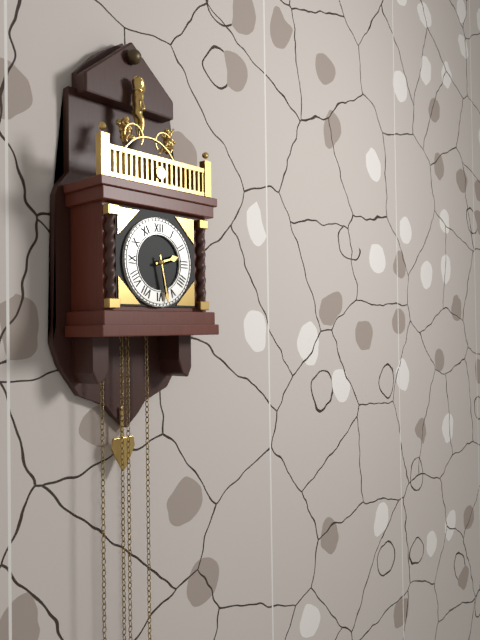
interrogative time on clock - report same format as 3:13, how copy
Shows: 2:28
